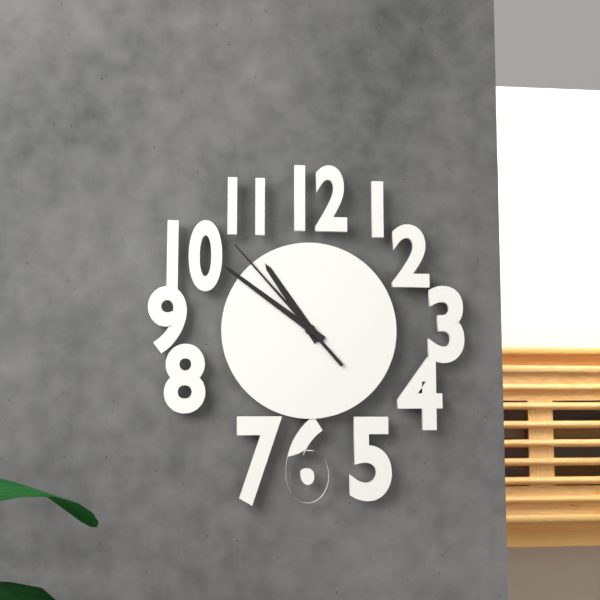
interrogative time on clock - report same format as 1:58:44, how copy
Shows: 10:51:53
